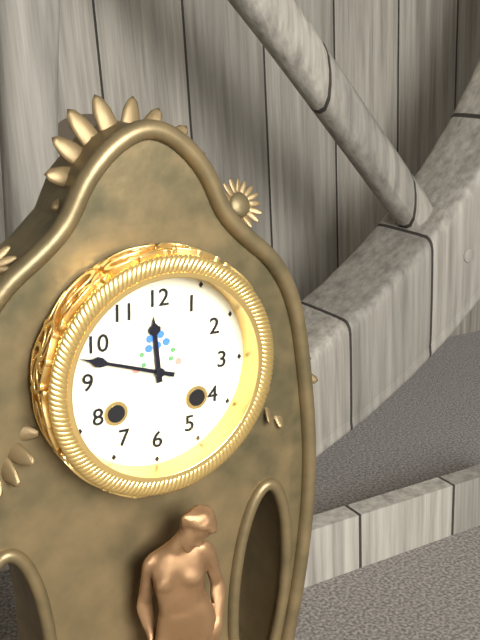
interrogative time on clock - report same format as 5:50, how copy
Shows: 11:48
